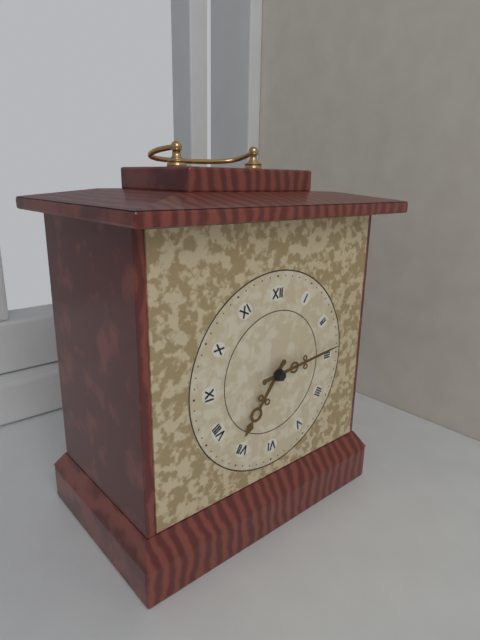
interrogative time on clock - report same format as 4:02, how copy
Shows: 7:14
